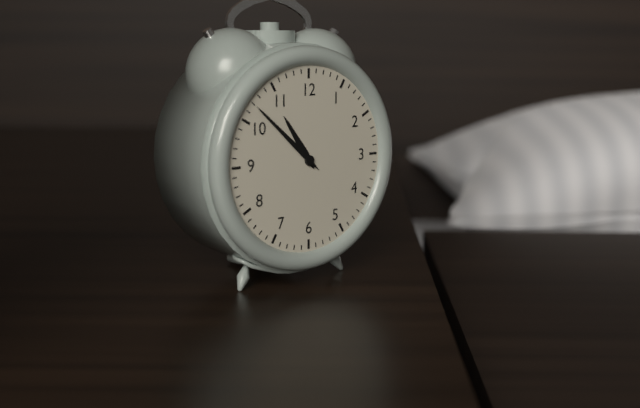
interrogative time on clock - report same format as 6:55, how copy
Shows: 10:52
